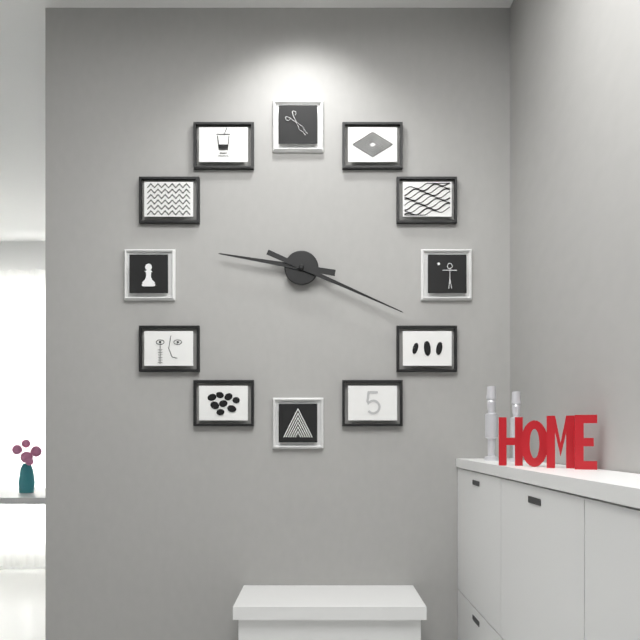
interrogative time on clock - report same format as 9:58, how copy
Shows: 9:19
